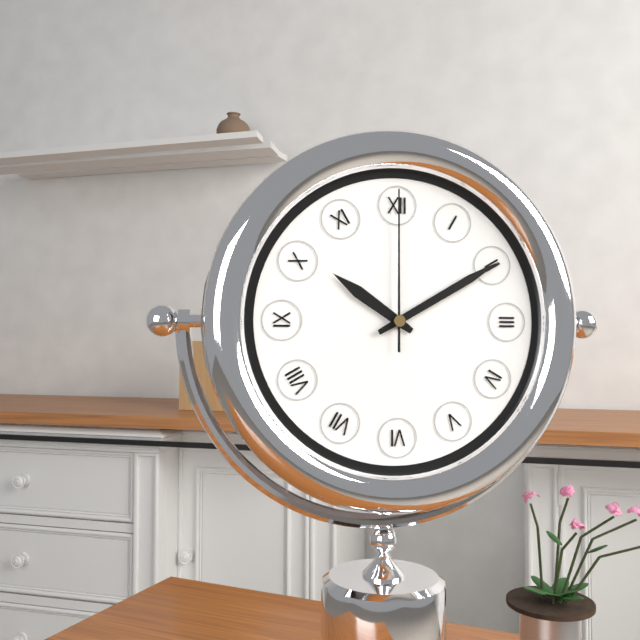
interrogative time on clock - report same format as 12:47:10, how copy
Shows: 10:10:00
